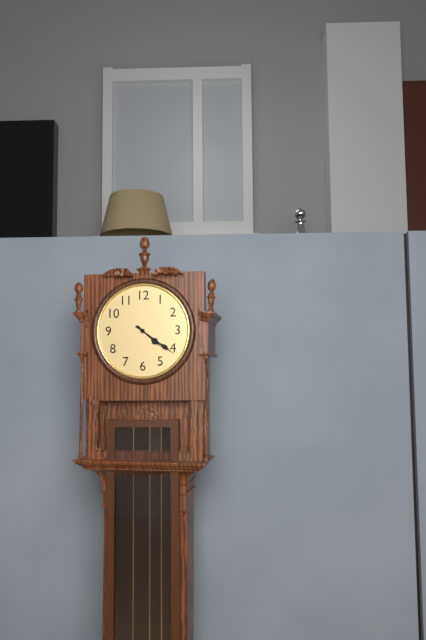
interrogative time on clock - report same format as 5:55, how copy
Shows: 4:21
